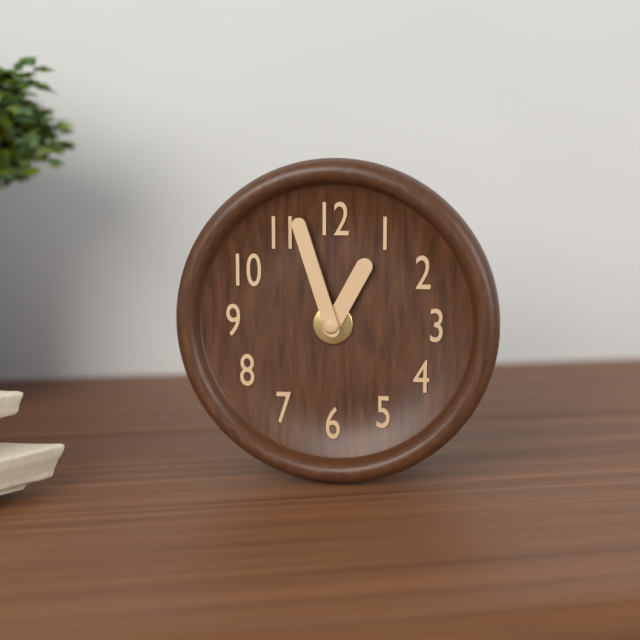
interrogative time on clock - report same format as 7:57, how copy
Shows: 12:57
